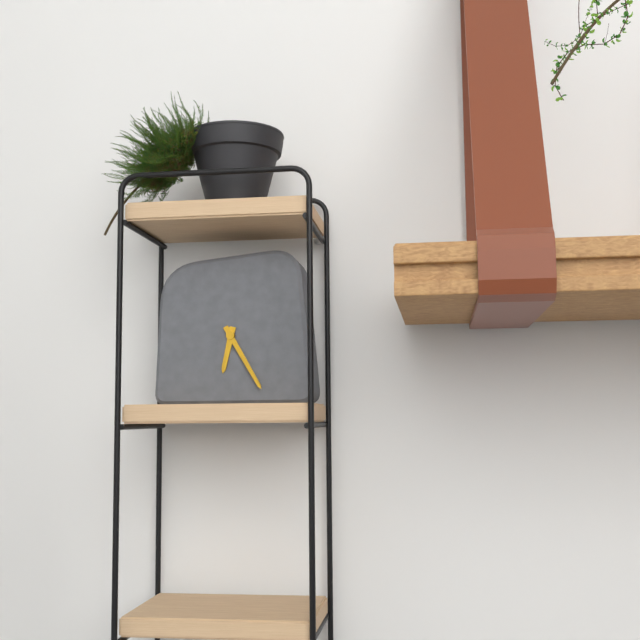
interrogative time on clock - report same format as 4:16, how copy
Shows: 6:25
